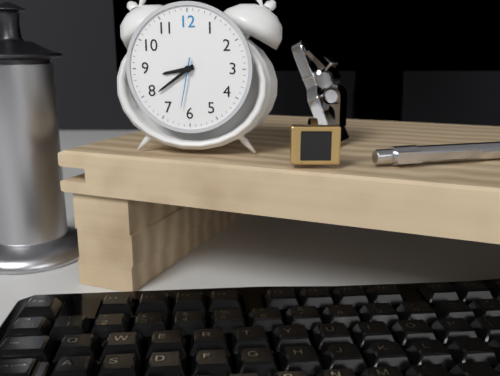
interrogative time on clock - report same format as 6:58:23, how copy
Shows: 8:39:32
